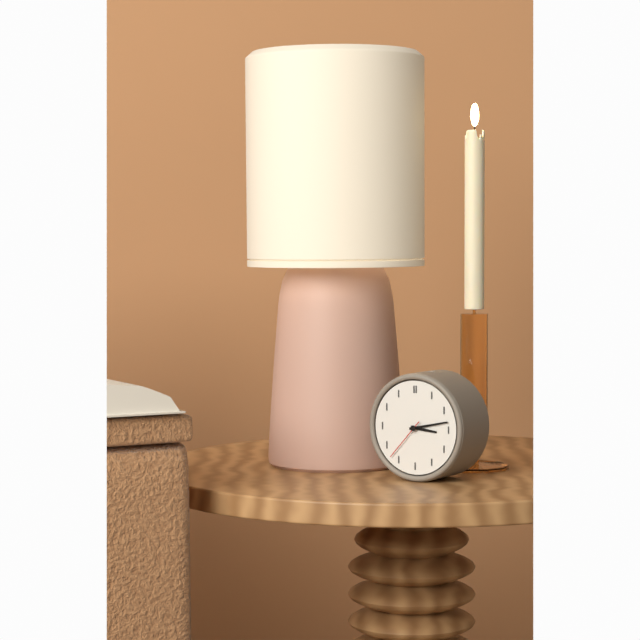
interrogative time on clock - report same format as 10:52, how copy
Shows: 3:13
